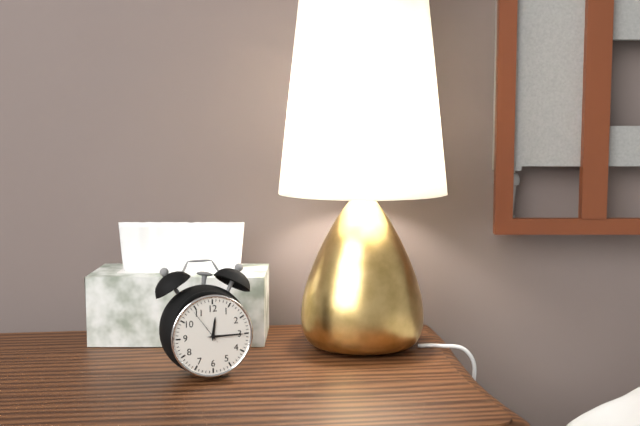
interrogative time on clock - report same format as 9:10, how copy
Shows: 12:15
